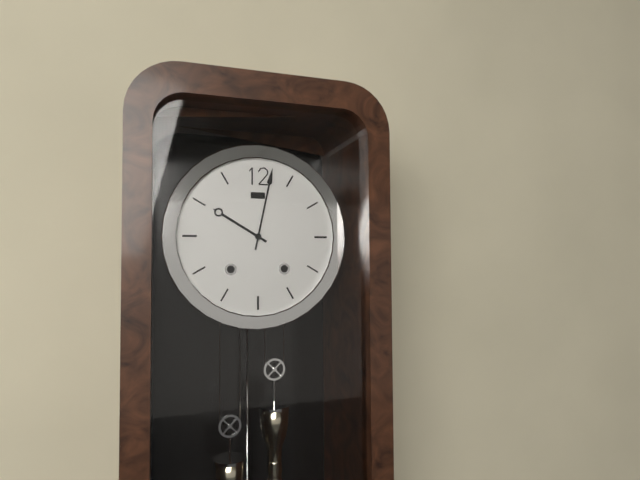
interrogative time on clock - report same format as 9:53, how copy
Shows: 10:02
